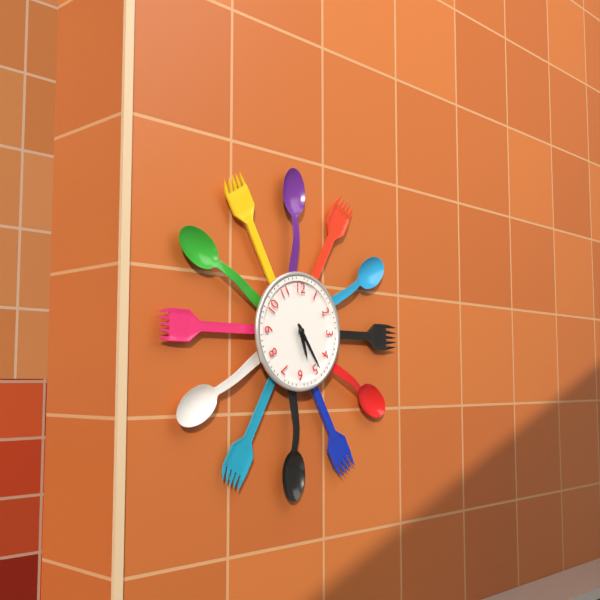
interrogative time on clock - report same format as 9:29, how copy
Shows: 5:24
